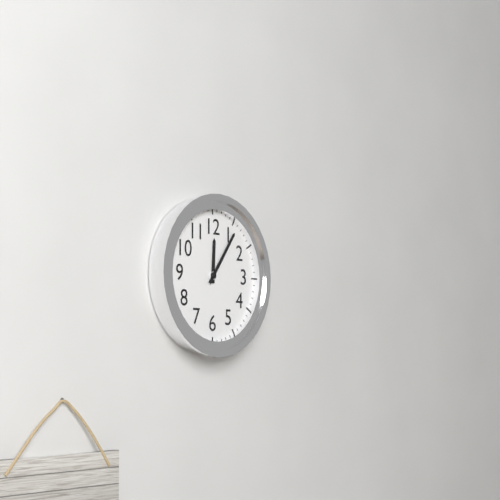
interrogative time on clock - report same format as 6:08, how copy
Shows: 12:06
